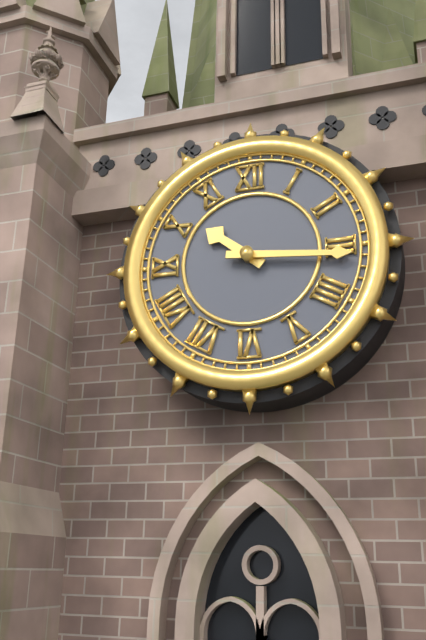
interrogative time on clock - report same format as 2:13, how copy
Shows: 10:16
